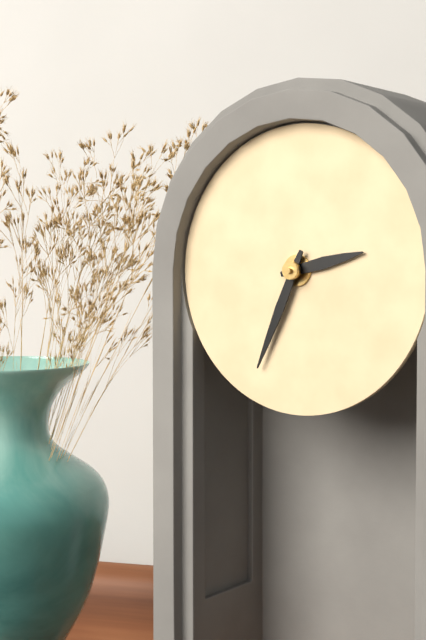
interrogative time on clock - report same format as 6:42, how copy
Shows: 2:34
